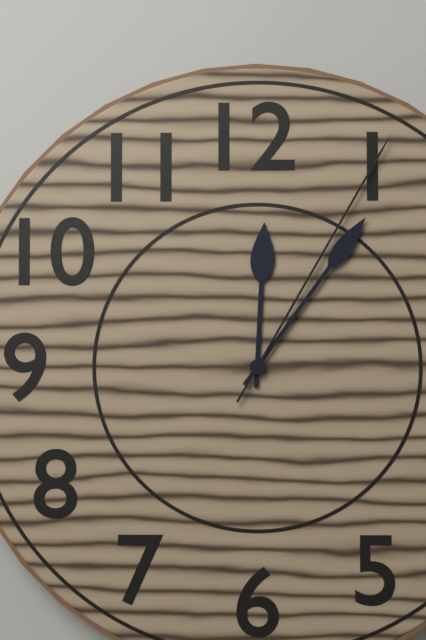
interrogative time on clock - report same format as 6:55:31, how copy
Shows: 12:06:05
